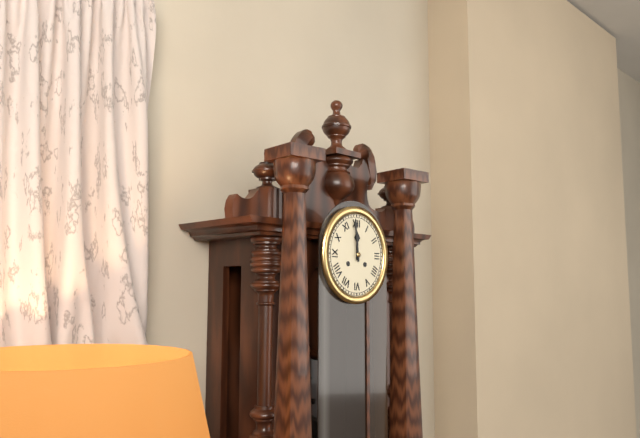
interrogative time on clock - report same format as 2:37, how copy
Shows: 11:59
